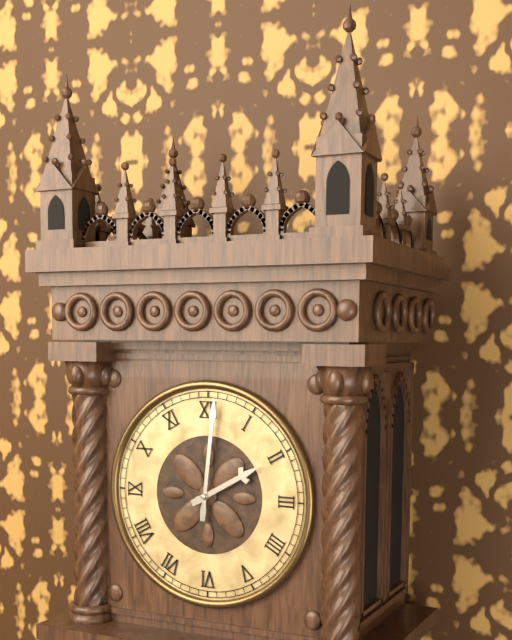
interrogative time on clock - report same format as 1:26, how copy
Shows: 2:01
